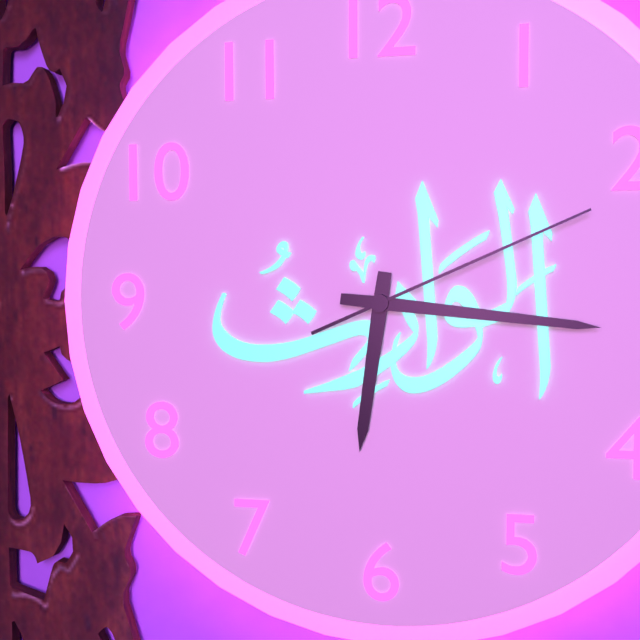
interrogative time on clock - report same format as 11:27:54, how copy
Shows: 6:16:11
